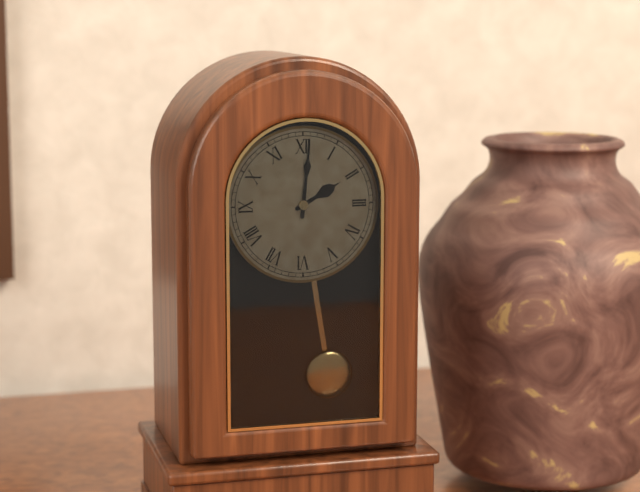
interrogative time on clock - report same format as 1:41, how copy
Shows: 2:01
